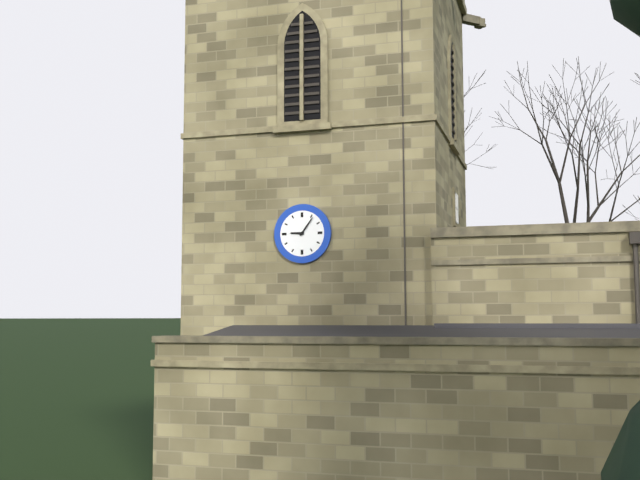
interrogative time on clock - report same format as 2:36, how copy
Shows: 9:06
